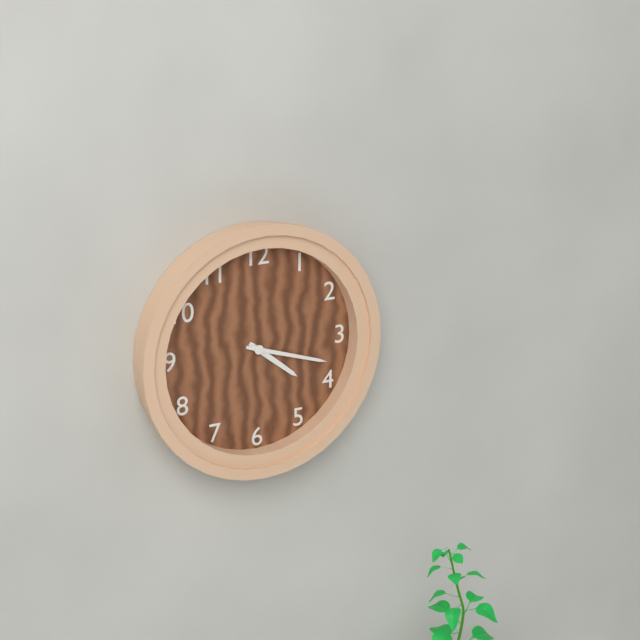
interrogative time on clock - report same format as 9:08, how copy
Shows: 4:18
